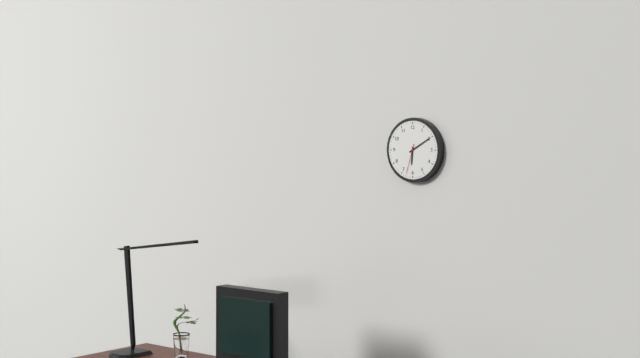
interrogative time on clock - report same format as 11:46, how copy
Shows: 6:10
